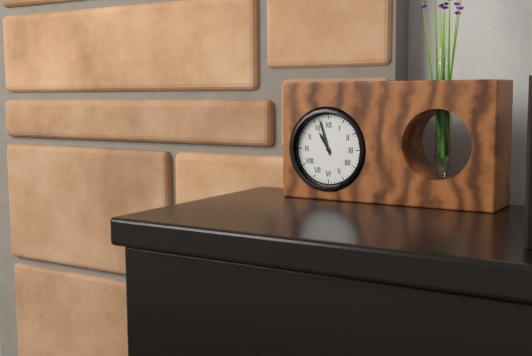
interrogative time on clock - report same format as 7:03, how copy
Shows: 10:57
